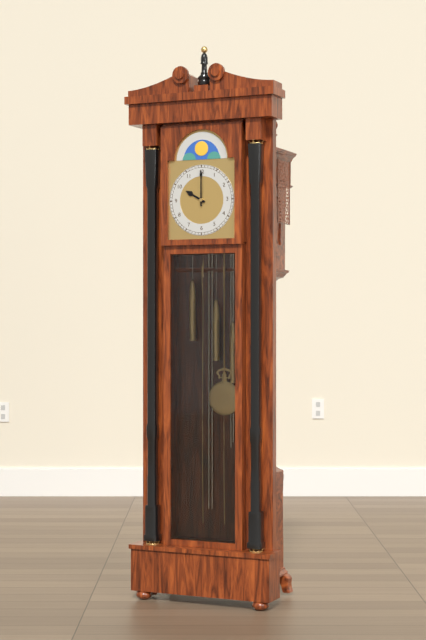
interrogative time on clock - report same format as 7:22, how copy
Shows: 10:00
